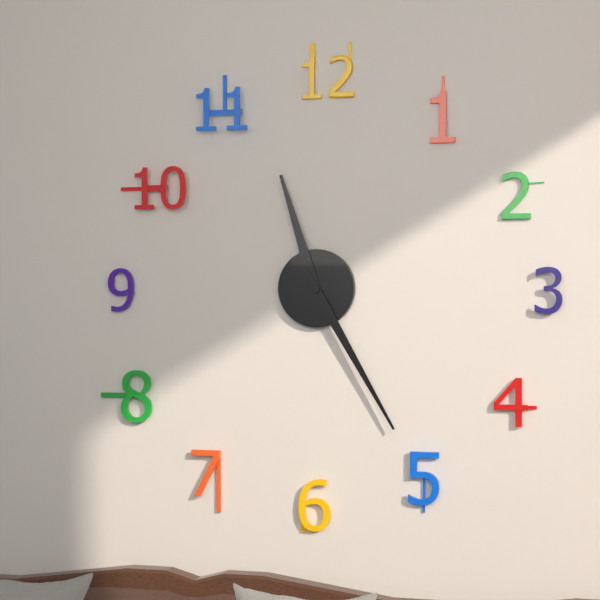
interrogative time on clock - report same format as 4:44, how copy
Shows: 11:25
